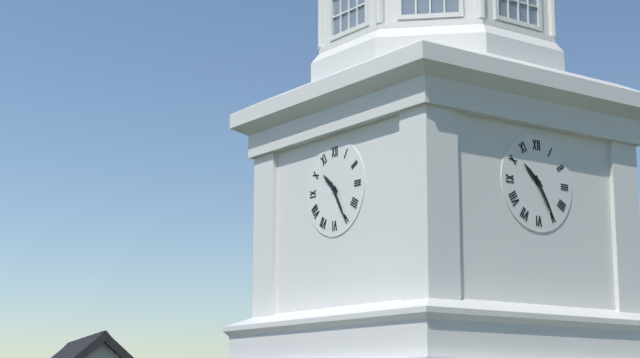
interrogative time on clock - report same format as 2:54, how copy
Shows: 10:25
